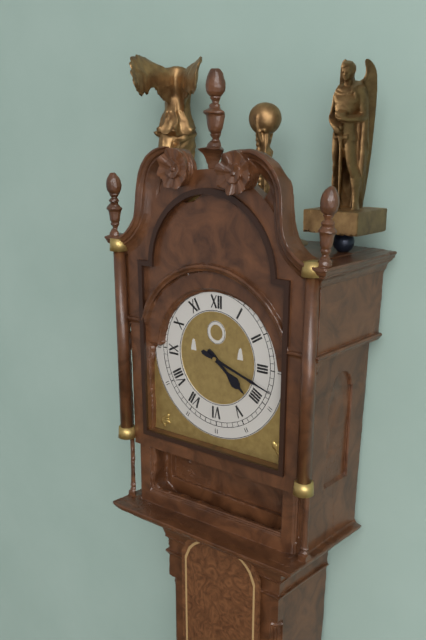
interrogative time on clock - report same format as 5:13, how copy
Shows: 4:18
